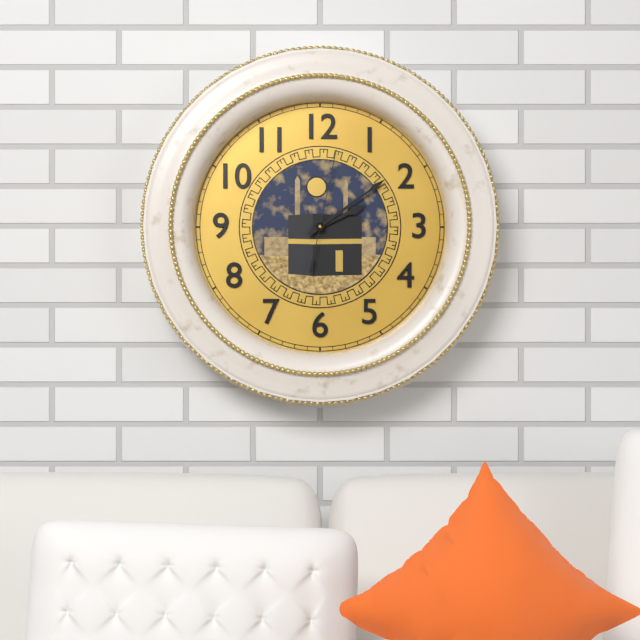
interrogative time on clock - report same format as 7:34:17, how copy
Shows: 2:09:02
